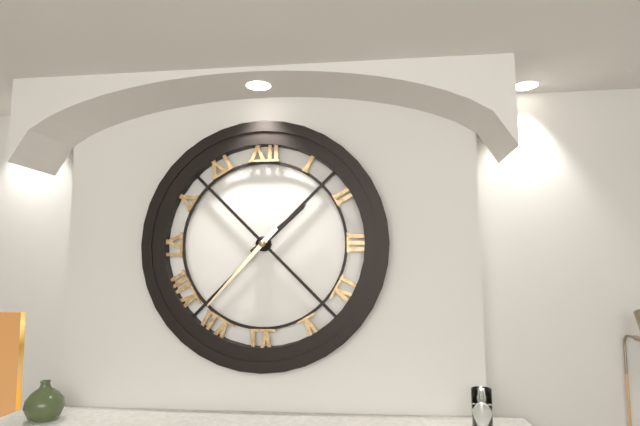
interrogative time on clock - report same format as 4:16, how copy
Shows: 1:37
